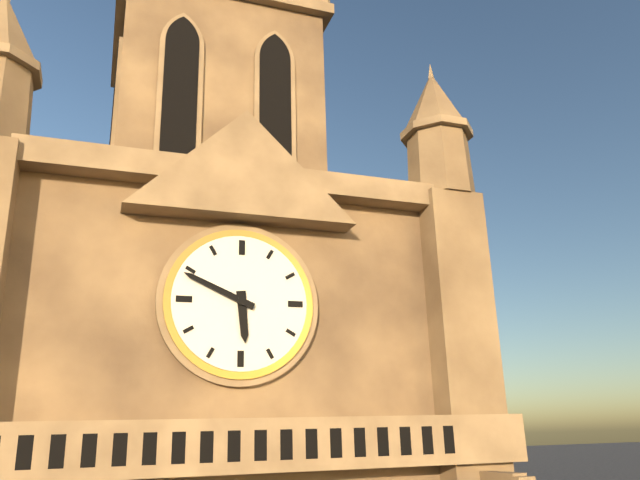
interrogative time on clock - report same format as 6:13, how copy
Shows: 5:49
